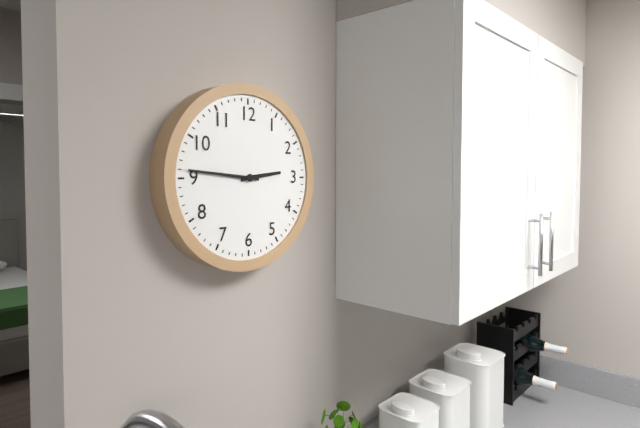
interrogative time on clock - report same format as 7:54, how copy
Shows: 2:46
